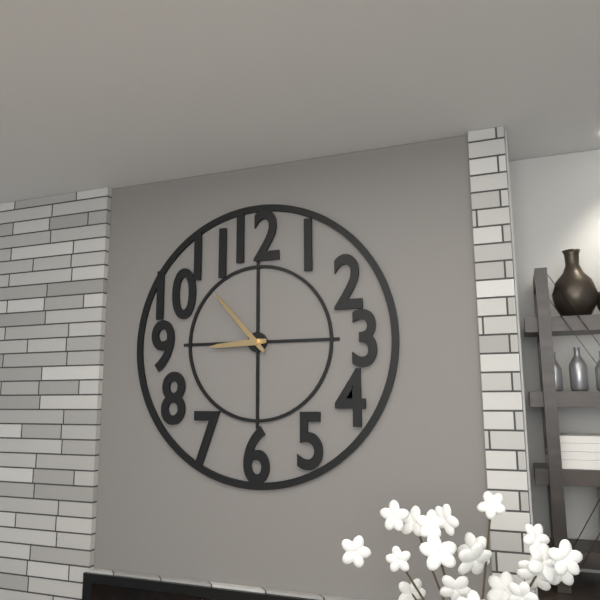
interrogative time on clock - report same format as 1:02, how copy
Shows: 8:53
